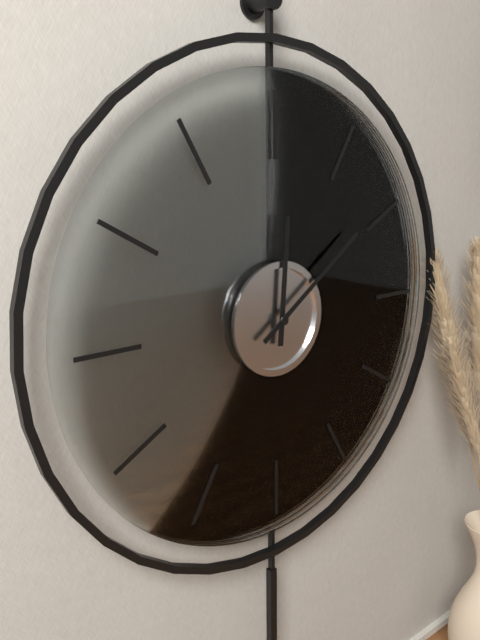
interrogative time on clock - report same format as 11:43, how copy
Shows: 12:09
